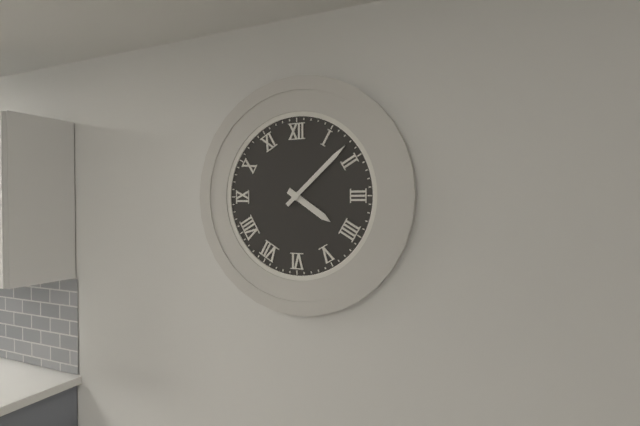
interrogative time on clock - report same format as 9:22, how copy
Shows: 4:08
